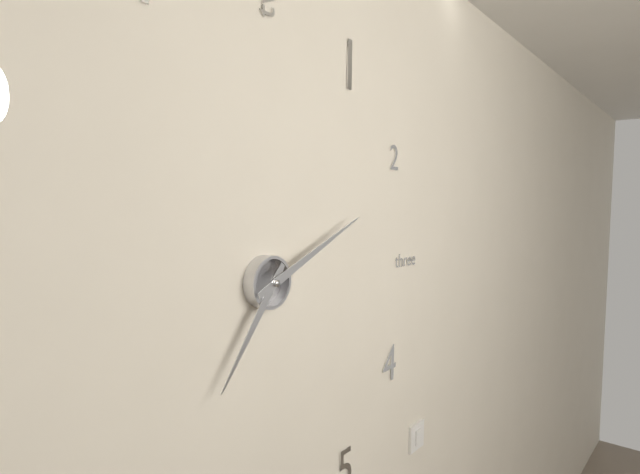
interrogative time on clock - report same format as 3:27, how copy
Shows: 7:11
